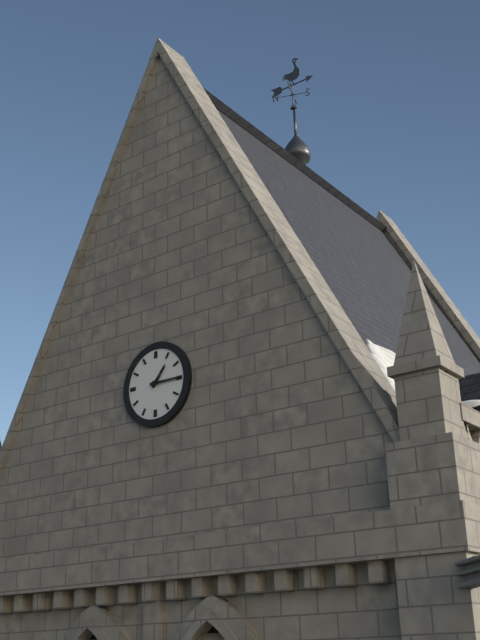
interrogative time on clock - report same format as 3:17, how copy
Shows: 1:15
